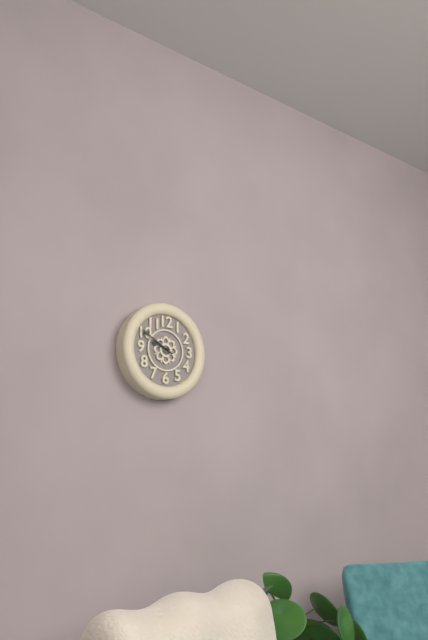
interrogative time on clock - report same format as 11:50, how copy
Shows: 9:50
